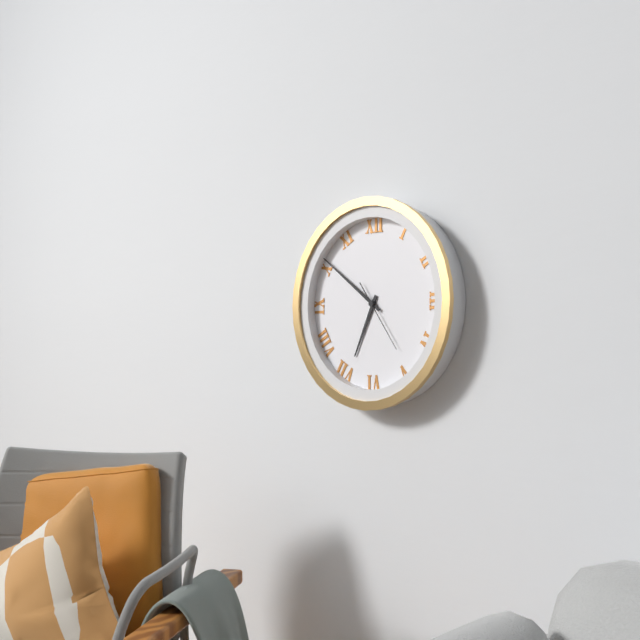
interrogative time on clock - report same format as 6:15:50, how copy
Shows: 6:51:24
